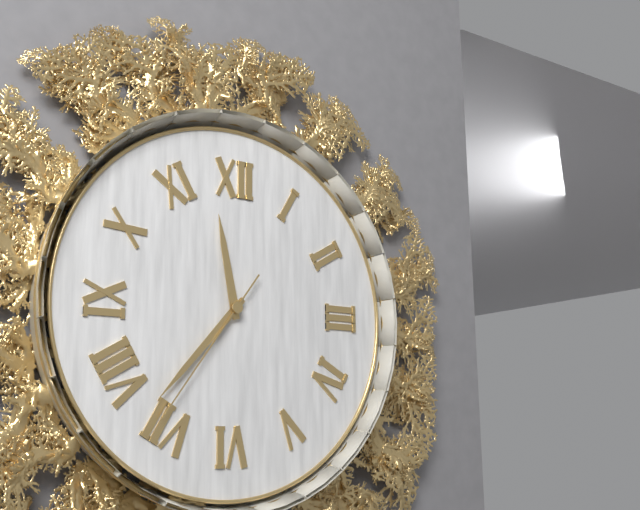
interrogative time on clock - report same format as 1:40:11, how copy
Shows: 11:37:36
